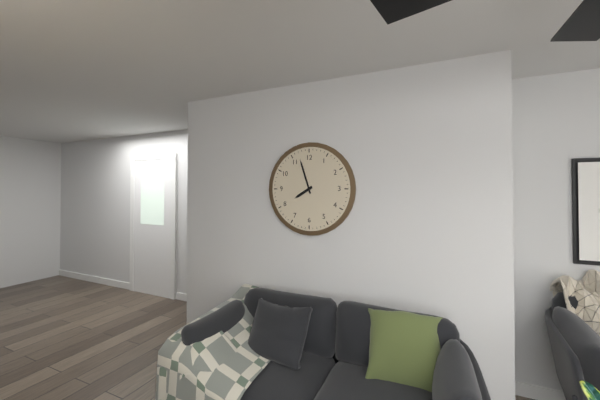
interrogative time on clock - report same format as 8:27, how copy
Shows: 7:57
